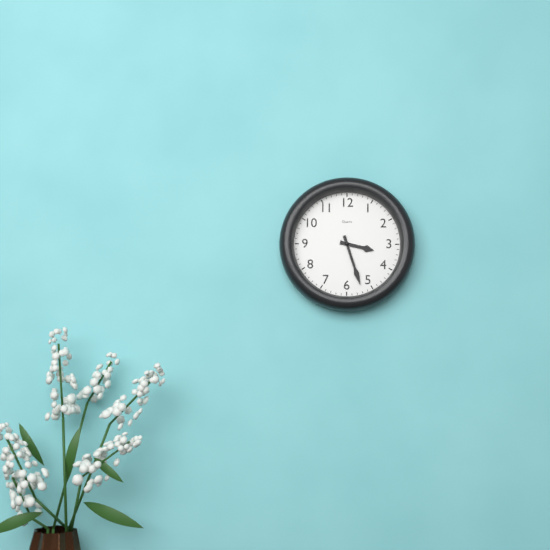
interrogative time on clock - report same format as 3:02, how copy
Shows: 3:27
